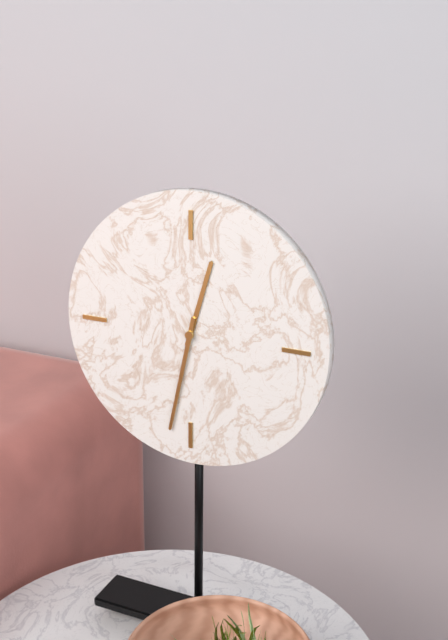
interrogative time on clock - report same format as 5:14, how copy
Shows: 12:32
